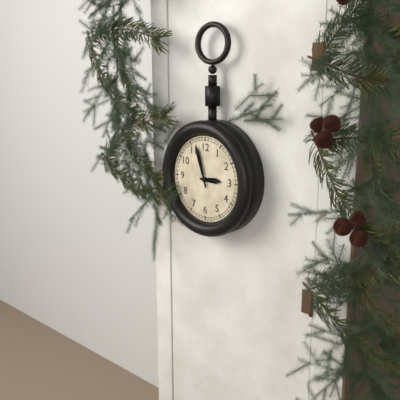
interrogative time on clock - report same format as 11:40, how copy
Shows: 2:57
